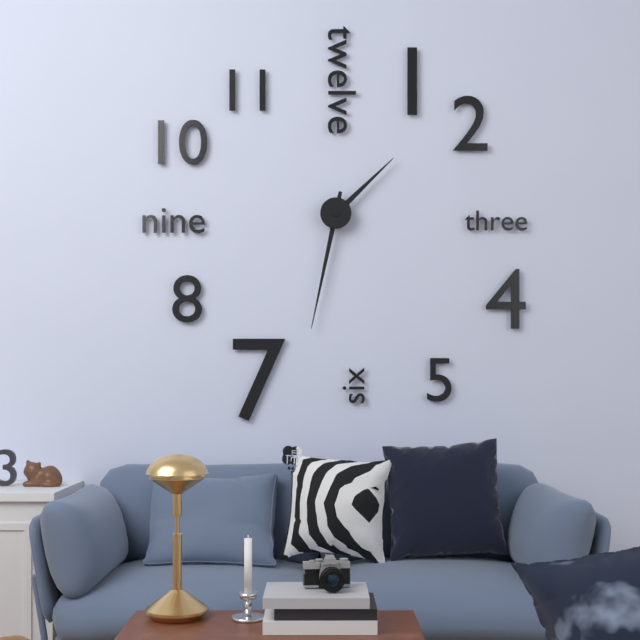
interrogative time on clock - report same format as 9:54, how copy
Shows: 1:32
